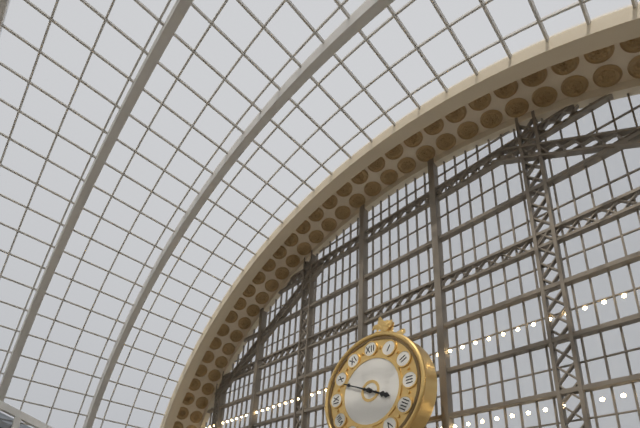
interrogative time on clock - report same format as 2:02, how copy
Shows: 3:49
